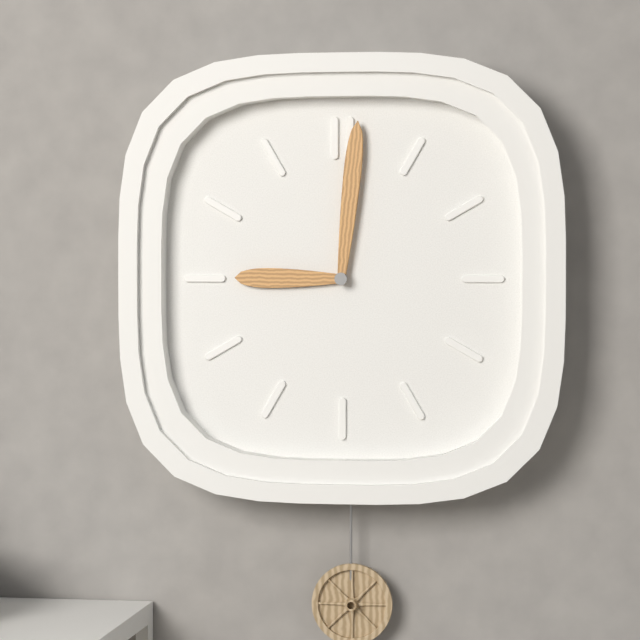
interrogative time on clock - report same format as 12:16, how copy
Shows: 9:01
